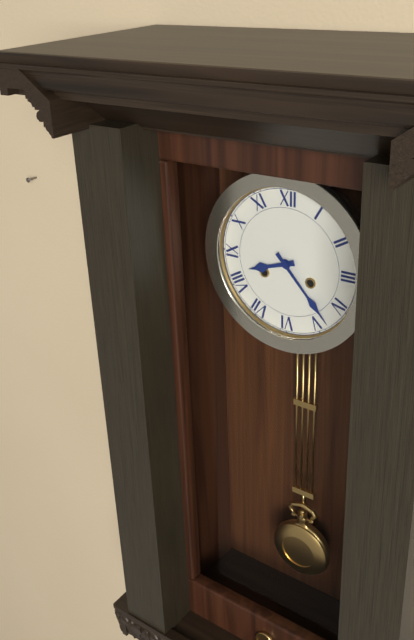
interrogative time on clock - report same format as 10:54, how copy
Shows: 8:23
